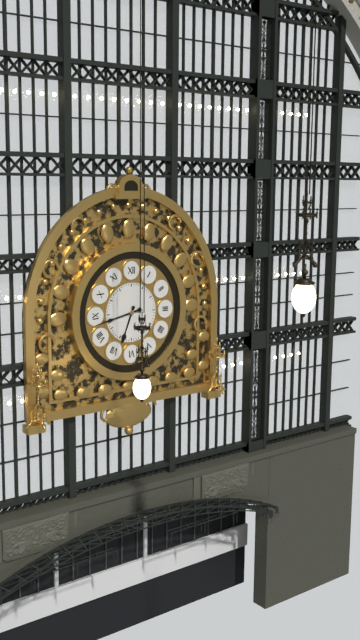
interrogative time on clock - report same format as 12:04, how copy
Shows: 6:43
